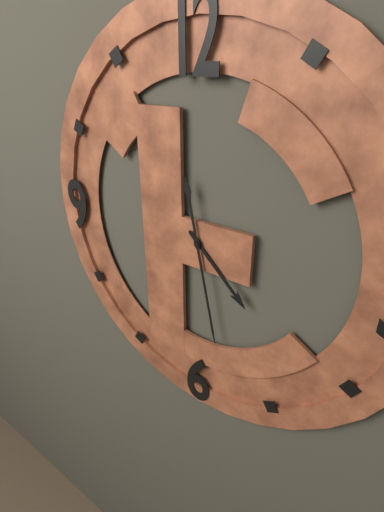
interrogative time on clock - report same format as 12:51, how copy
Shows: 4:28
